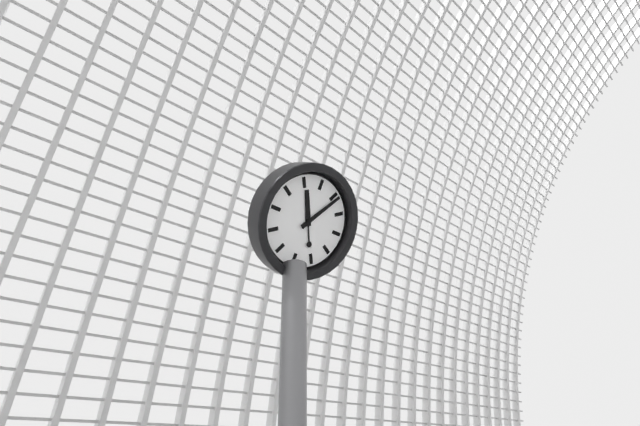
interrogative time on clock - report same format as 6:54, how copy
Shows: 11:06
